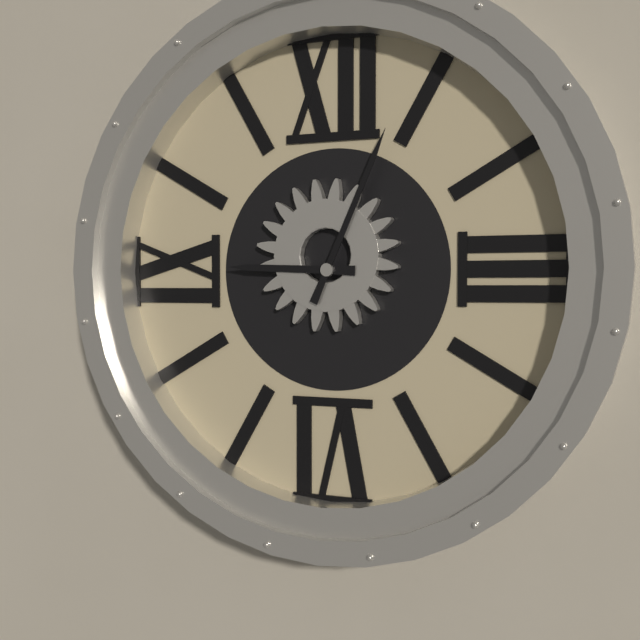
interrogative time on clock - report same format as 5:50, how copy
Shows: 9:04
